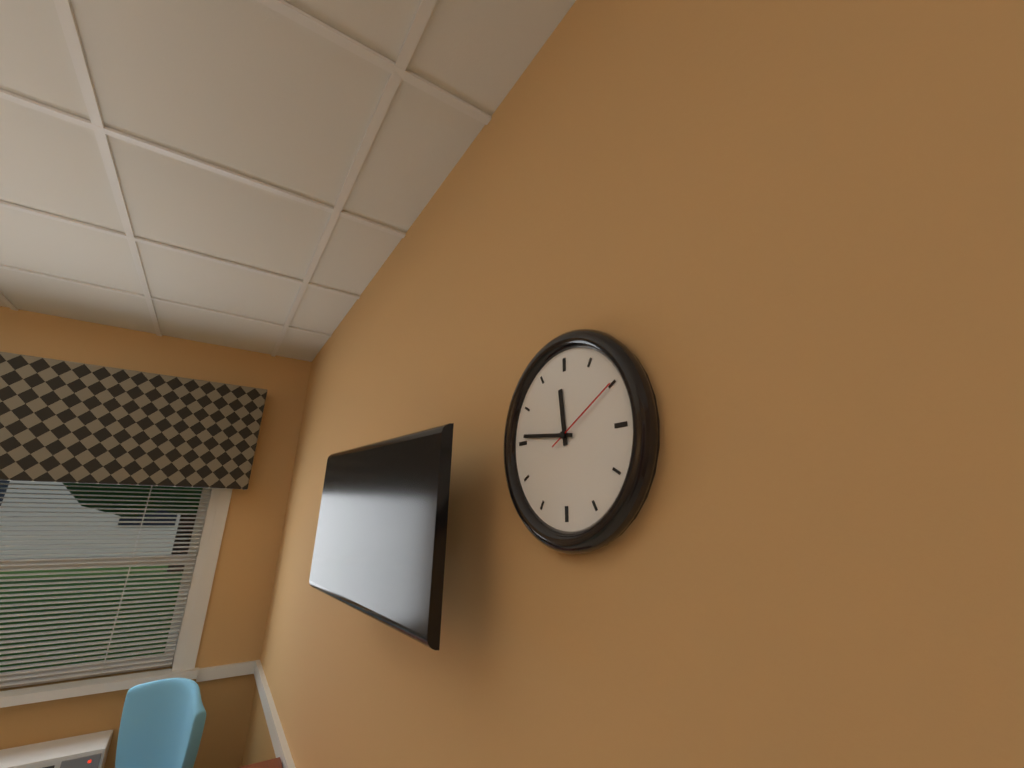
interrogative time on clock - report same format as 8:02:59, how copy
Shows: 11:46:10
